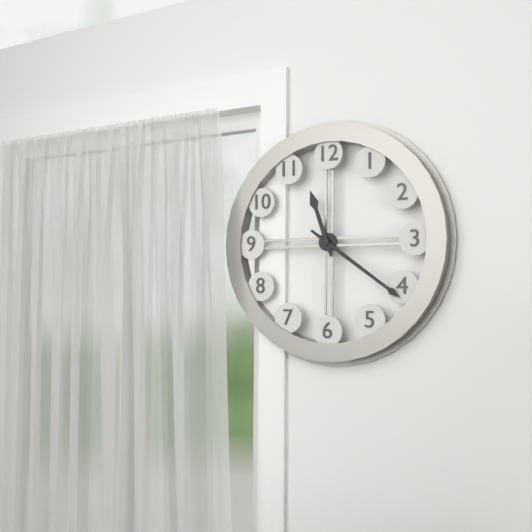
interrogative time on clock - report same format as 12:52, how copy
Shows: 11:21
